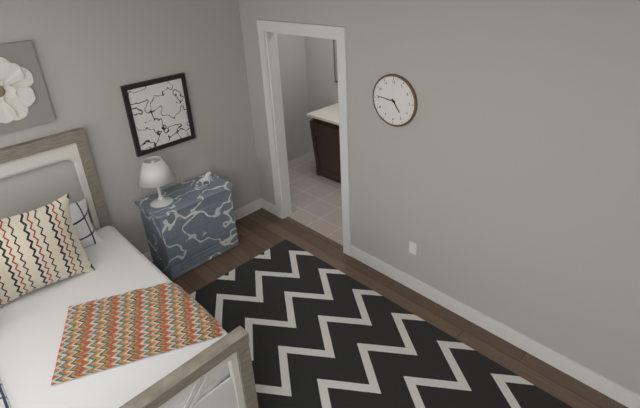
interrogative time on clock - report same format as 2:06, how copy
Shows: 4:46
